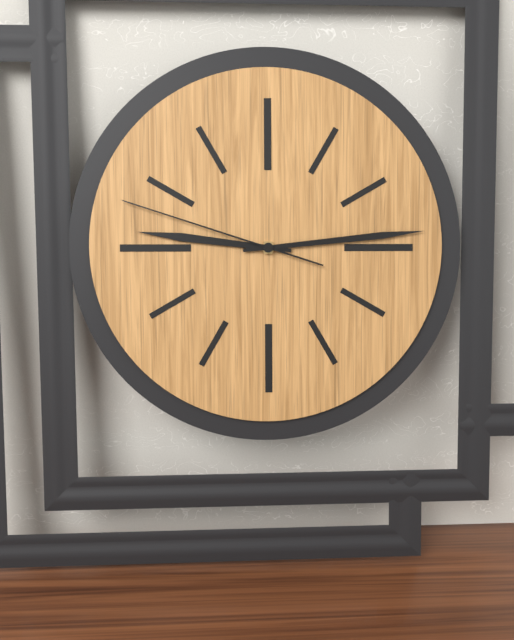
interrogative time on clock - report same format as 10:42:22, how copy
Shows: 9:14:48
